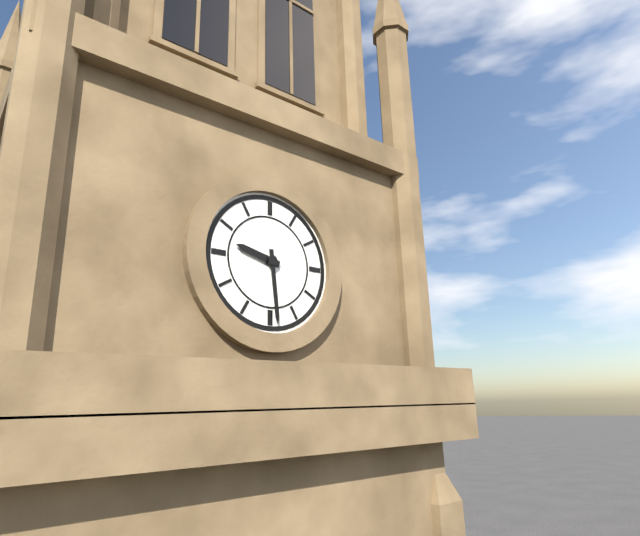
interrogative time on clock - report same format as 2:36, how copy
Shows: 9:29
